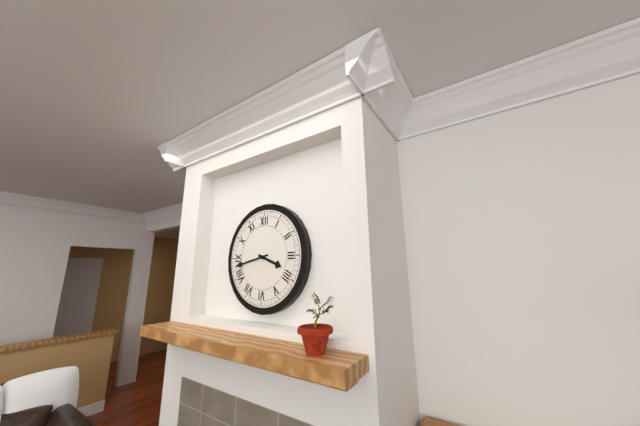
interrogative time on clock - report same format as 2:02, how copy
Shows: 3:43
